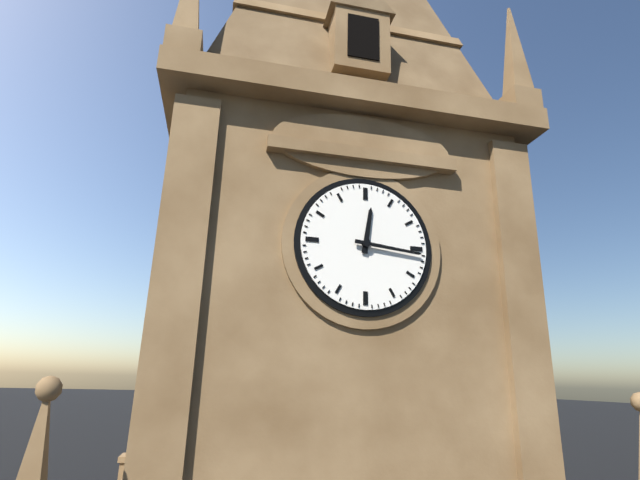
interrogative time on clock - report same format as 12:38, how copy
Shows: 12:16
